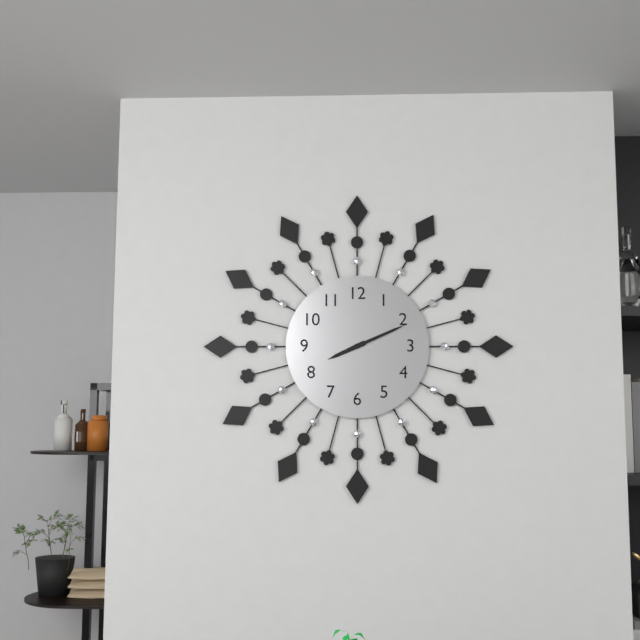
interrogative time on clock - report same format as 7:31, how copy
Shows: 8:11
